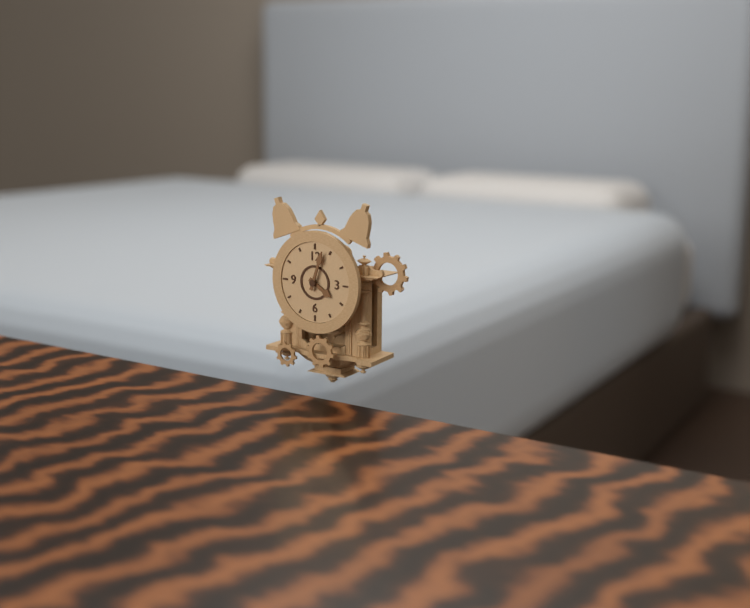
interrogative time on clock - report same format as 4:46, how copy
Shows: 4:03
